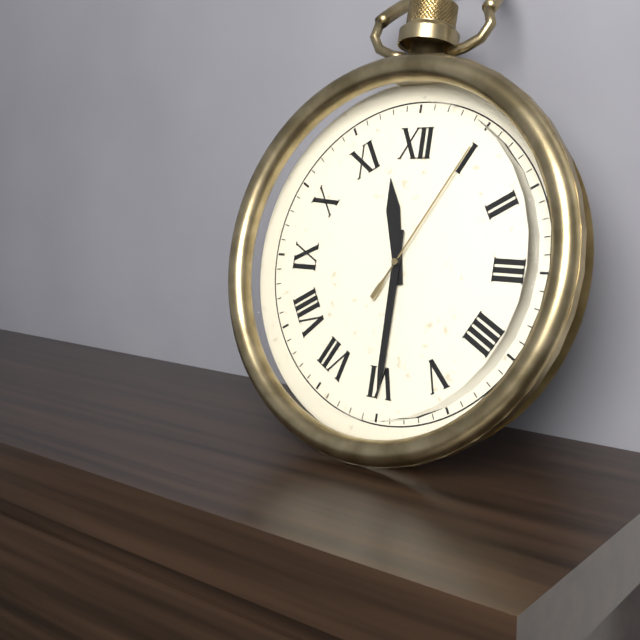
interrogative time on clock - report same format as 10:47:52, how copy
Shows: 11:30:05
